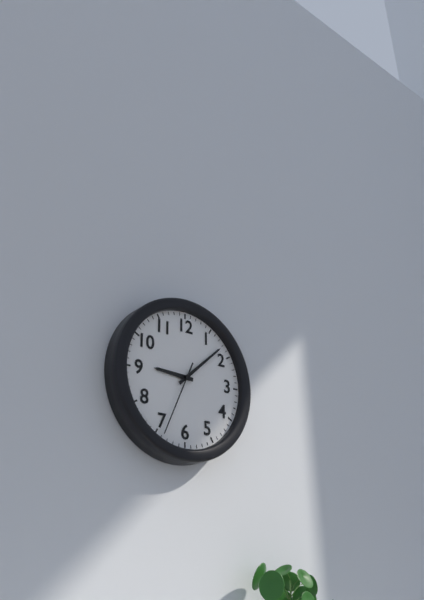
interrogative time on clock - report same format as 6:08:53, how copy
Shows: 9:08:34
